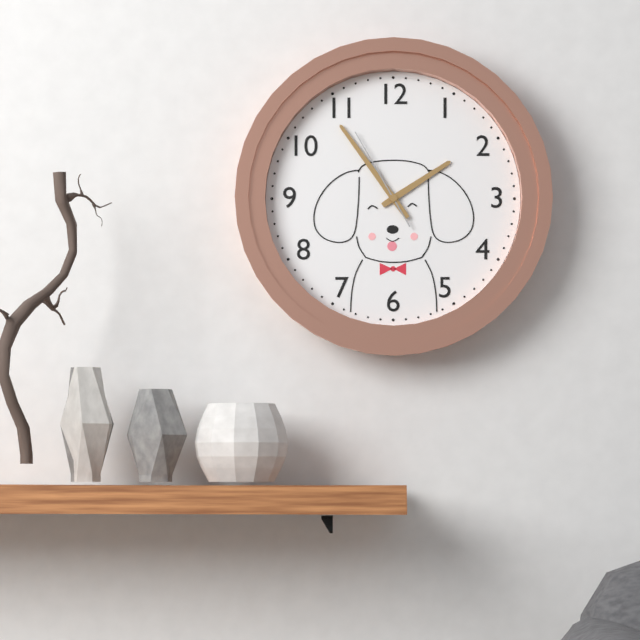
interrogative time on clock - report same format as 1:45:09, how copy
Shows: 1:54:55
